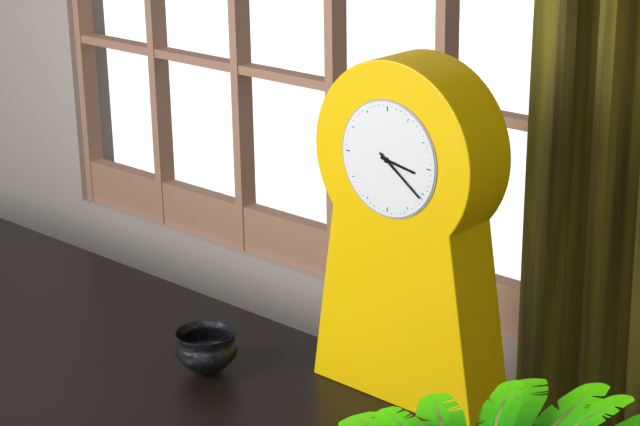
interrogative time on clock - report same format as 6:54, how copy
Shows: 3:21
